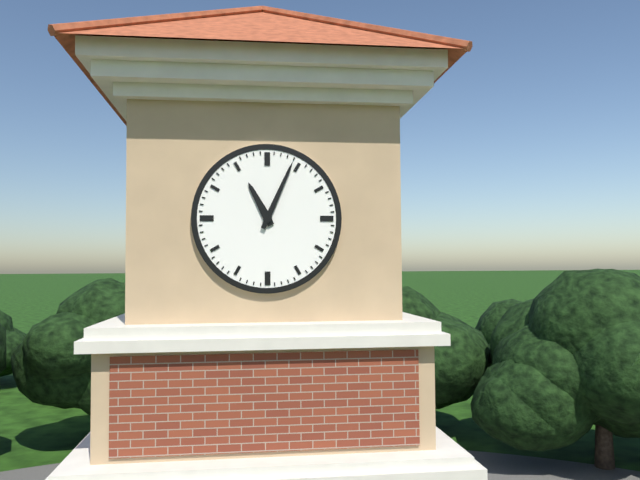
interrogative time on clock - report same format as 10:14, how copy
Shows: 11:04
